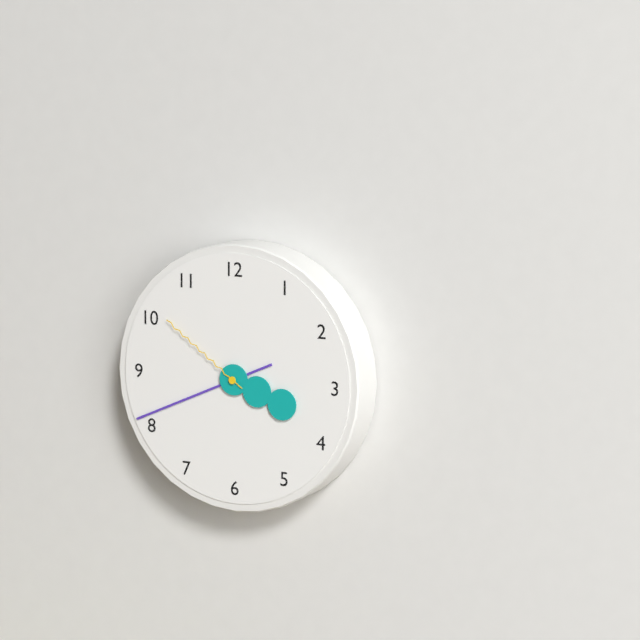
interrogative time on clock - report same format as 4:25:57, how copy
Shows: 3:41:51
